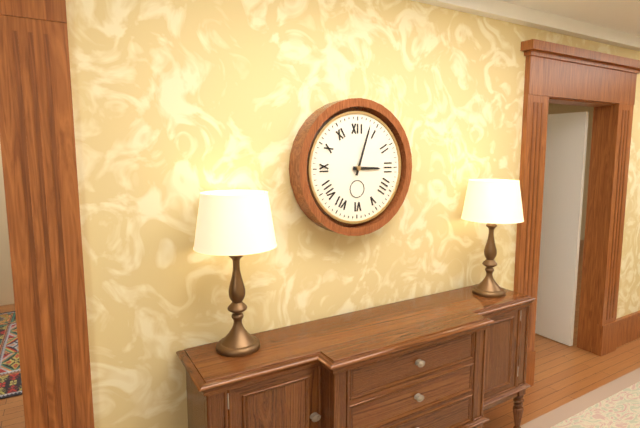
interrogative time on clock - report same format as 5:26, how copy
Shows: 3:03
